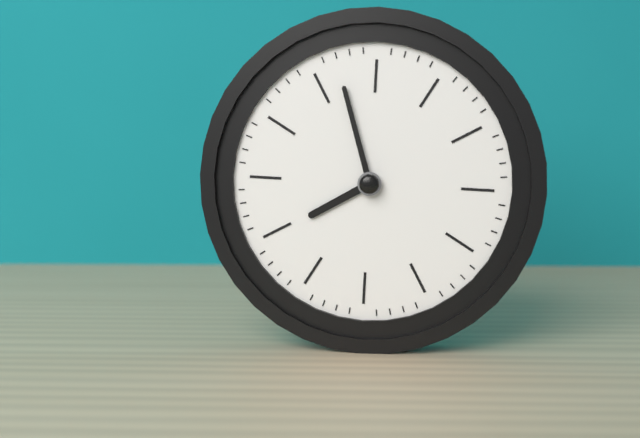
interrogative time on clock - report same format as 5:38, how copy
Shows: 7:57
